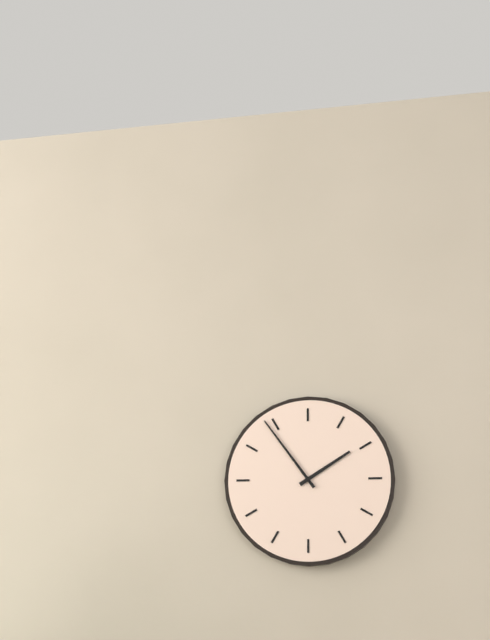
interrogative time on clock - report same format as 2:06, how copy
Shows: 1:54
